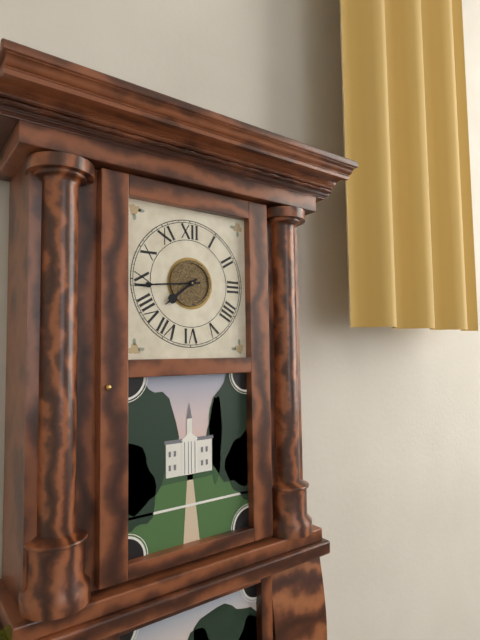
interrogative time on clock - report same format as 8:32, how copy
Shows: 7:44
